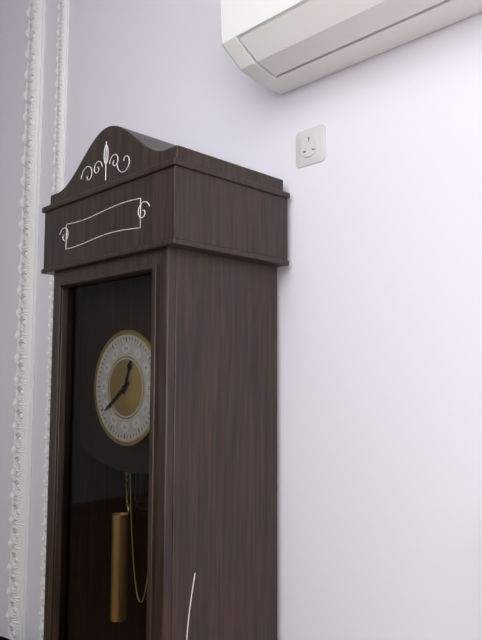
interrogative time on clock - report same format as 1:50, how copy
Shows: 12:39
